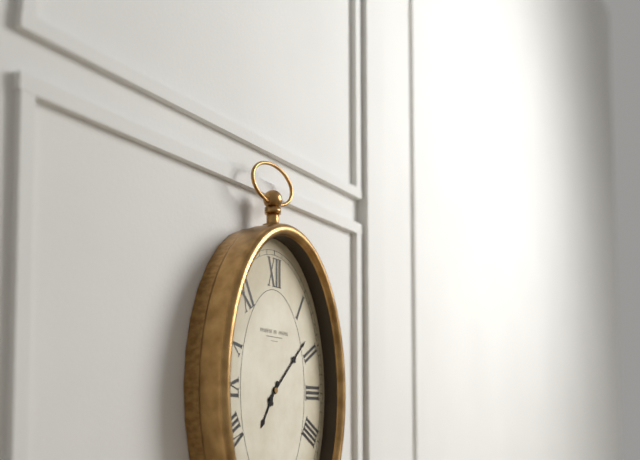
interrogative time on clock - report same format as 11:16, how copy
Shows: 7:08
